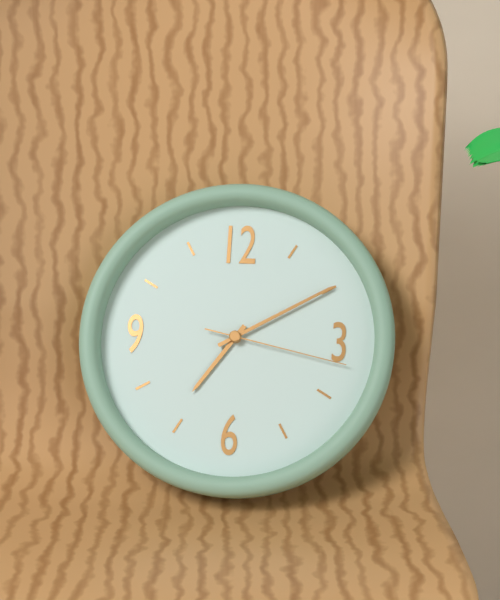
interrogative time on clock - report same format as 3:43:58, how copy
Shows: 7:10:17
